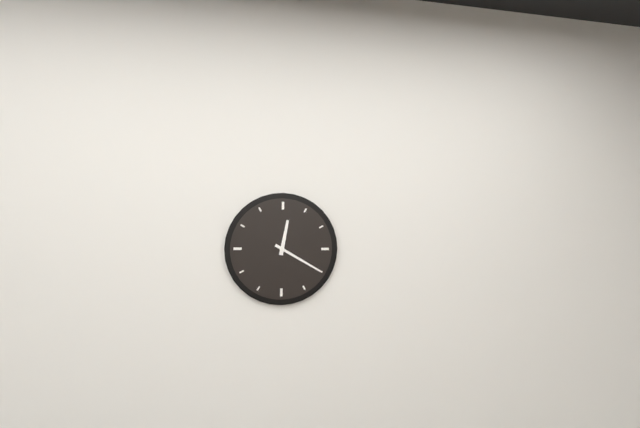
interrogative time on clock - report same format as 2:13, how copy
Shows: 12:20
